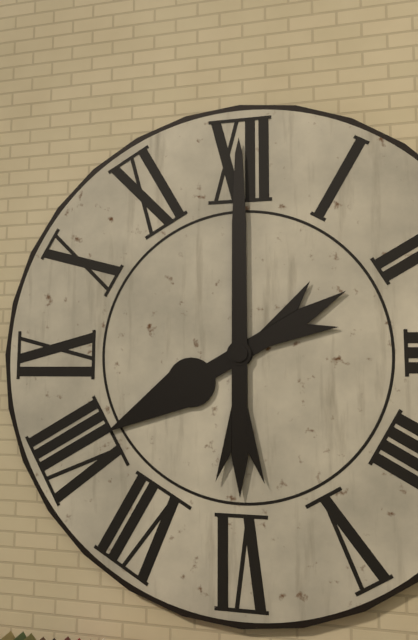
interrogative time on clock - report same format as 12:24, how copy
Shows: 8:00
